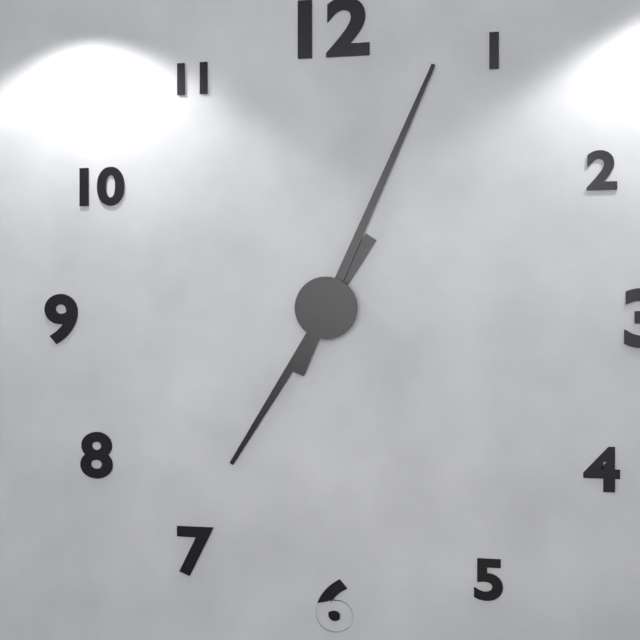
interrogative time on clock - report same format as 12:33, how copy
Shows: 7:04
